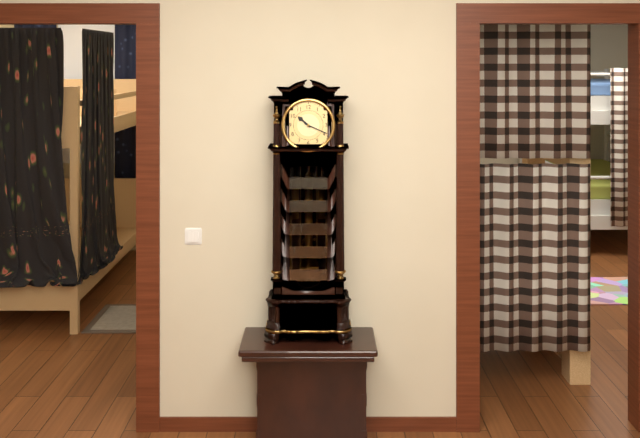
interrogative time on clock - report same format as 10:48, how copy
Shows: 10:19
